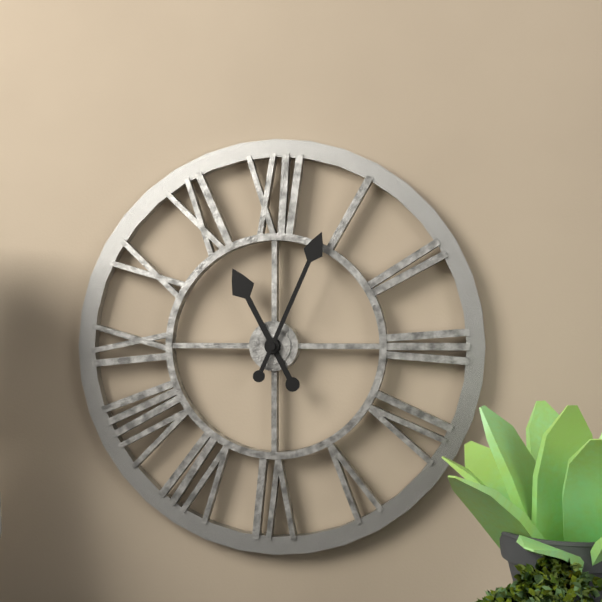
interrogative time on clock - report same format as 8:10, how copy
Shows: 11:04
